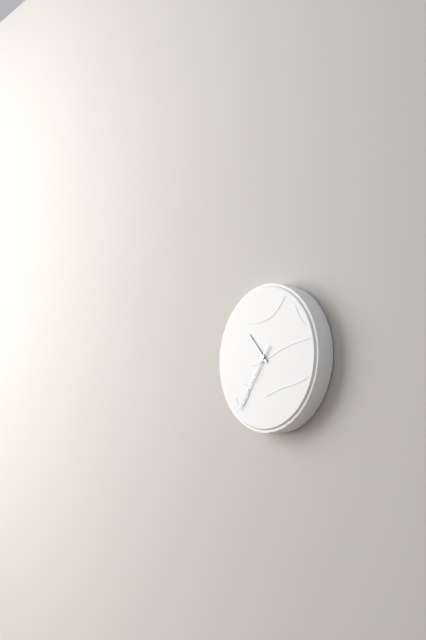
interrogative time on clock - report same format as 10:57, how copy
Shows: 10:36
